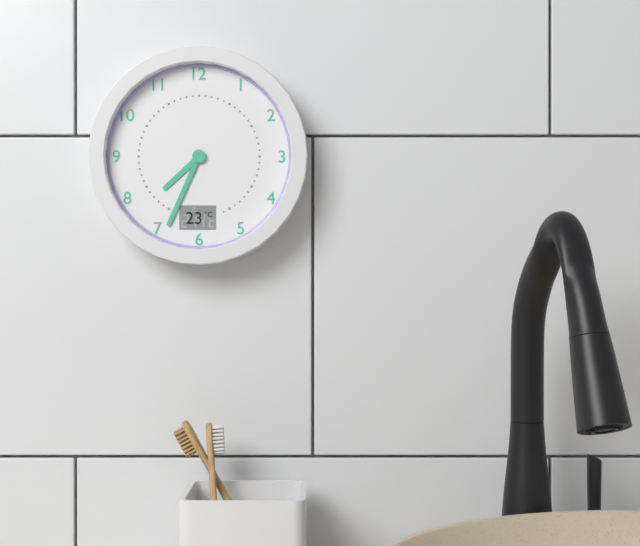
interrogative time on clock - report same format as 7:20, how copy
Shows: 7:34
